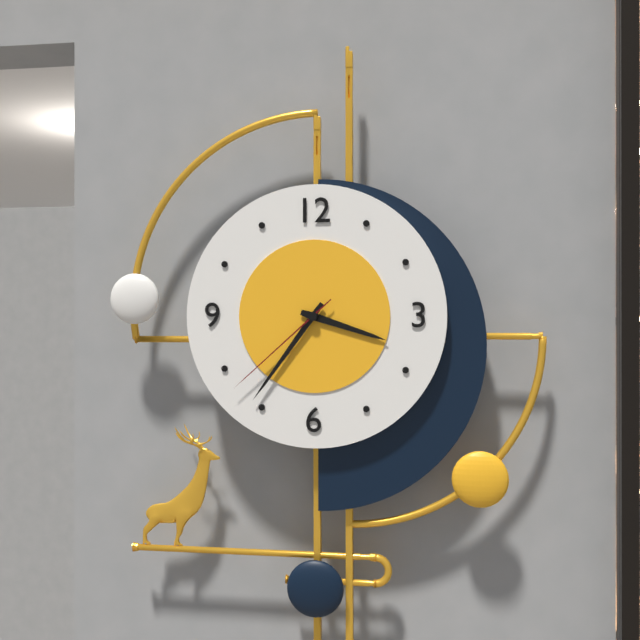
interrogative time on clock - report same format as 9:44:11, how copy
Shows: 3:36:38
